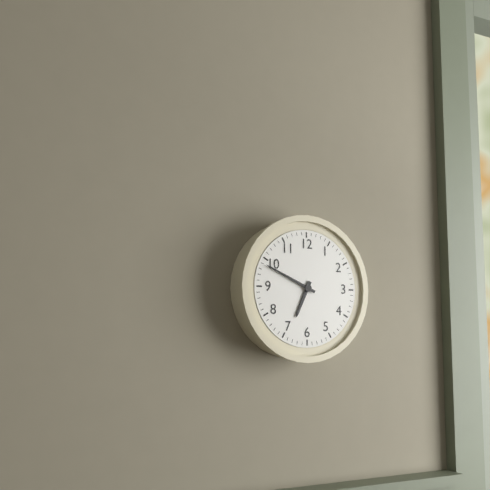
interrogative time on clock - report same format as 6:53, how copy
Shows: 6:49
